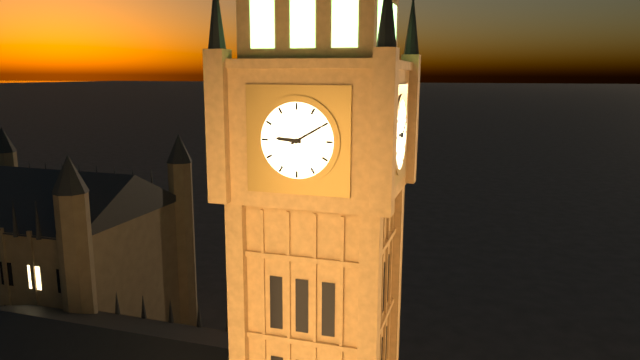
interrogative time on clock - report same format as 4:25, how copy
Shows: 9:10
